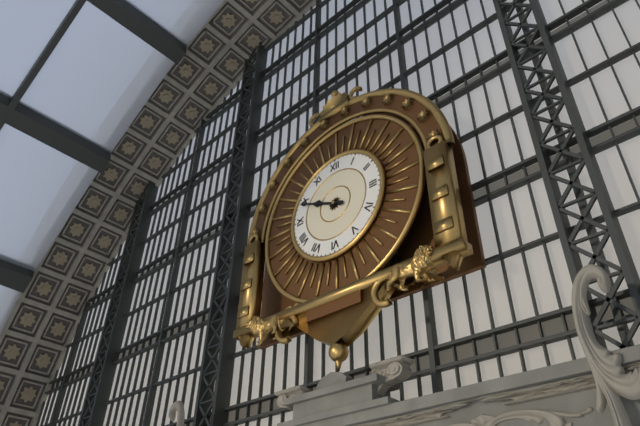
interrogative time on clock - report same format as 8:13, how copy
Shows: 9:49
